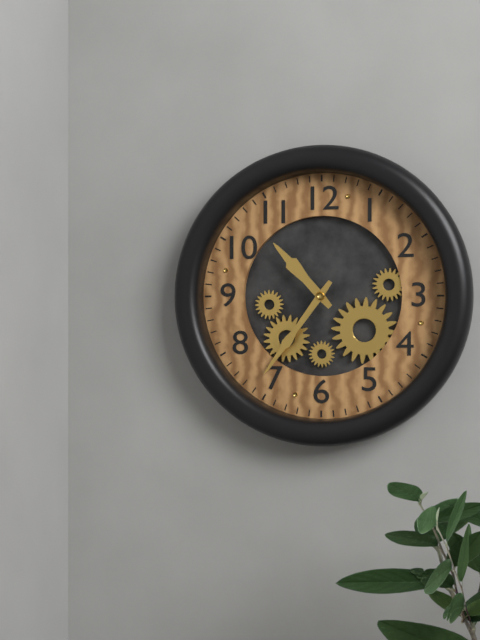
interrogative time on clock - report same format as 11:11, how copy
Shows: 10:36
